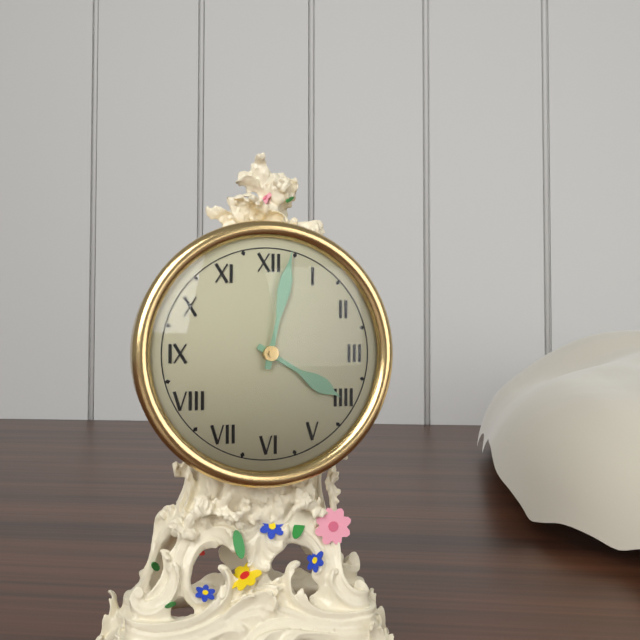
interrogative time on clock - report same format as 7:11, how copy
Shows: 4:02
